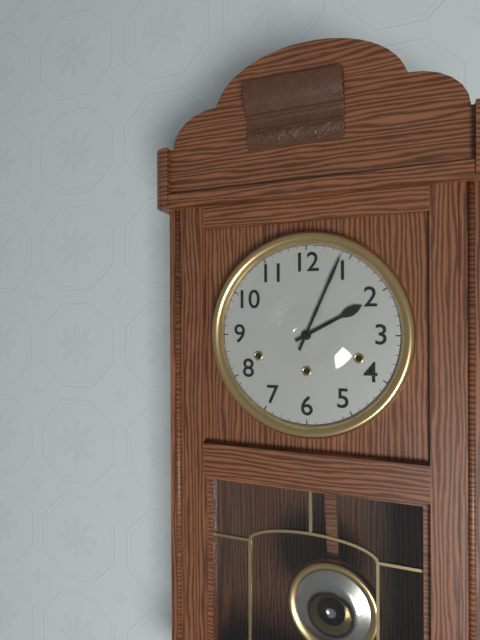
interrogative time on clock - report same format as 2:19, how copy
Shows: 2:04
